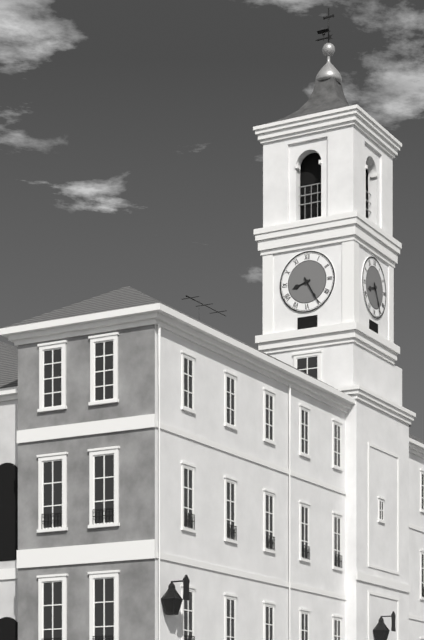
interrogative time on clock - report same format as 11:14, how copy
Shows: 8:25
